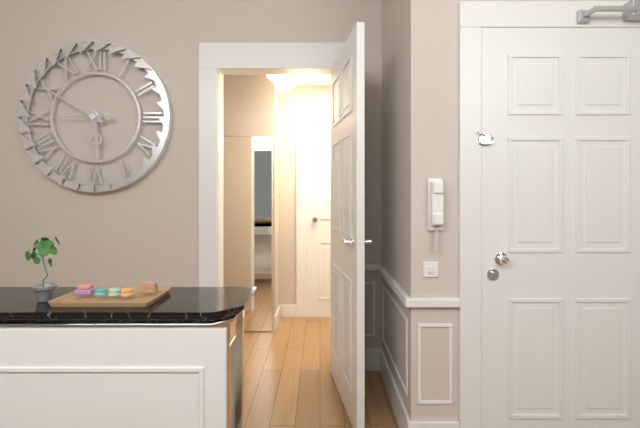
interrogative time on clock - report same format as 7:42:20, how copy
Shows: 5:50:45
